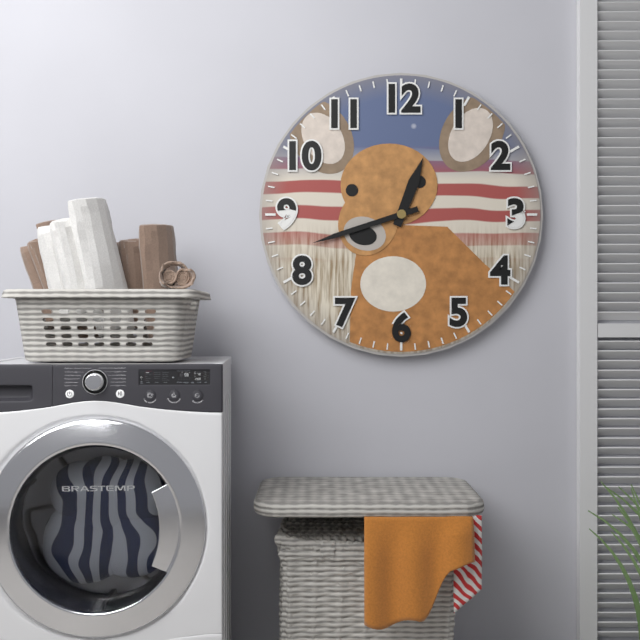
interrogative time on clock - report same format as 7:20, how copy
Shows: 12:42
